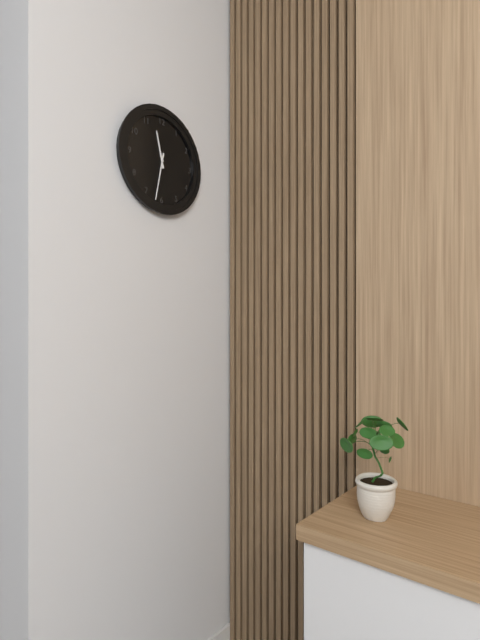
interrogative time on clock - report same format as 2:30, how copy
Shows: 11:32
